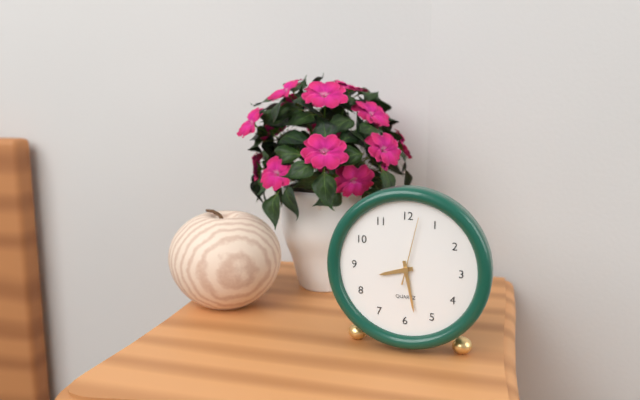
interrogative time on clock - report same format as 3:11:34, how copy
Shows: 8:28:02
